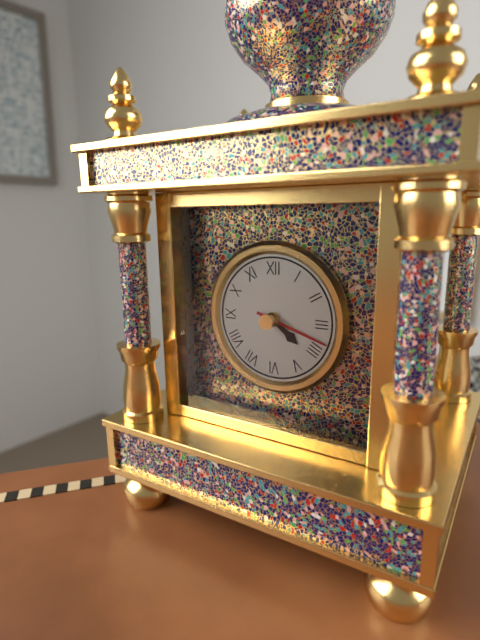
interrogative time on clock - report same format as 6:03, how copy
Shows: 4:18
